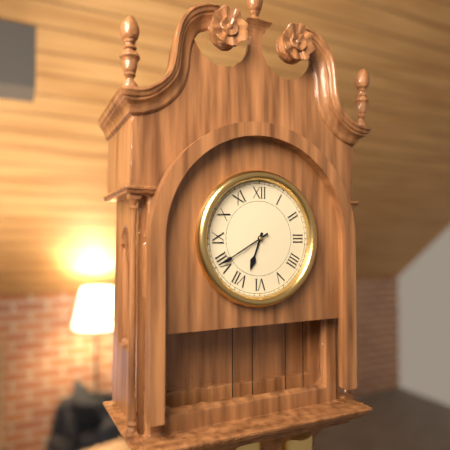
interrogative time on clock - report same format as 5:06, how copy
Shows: 6:40
